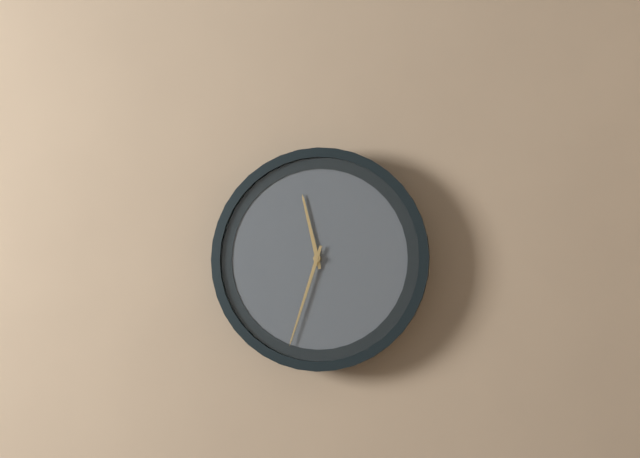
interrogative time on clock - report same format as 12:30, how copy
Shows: 11:33
